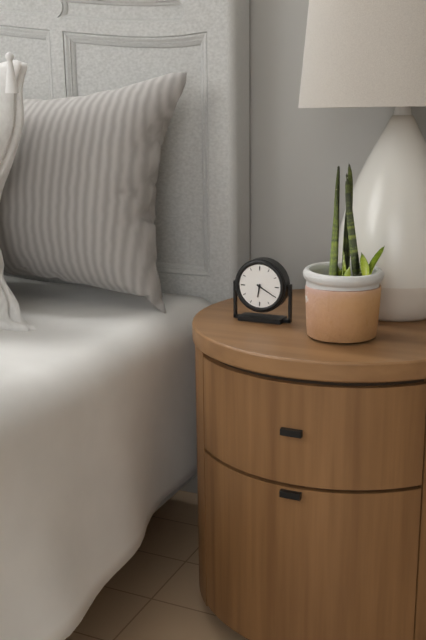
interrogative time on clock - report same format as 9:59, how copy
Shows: 6:20
